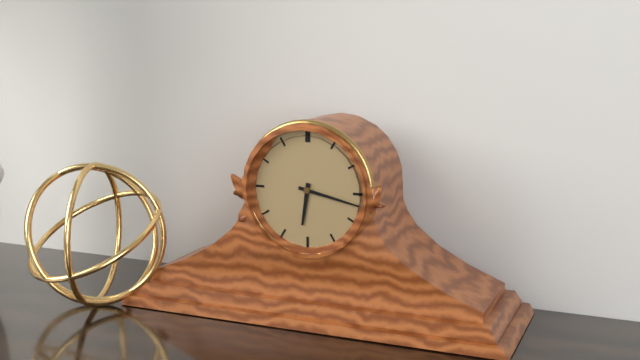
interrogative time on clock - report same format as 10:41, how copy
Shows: 6:17
